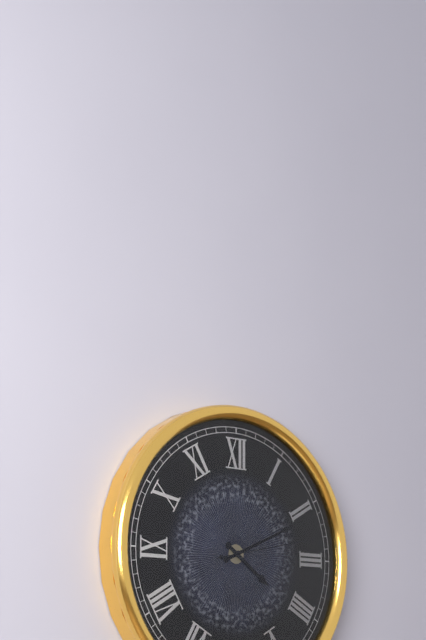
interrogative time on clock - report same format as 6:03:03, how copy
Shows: 4:11:13
